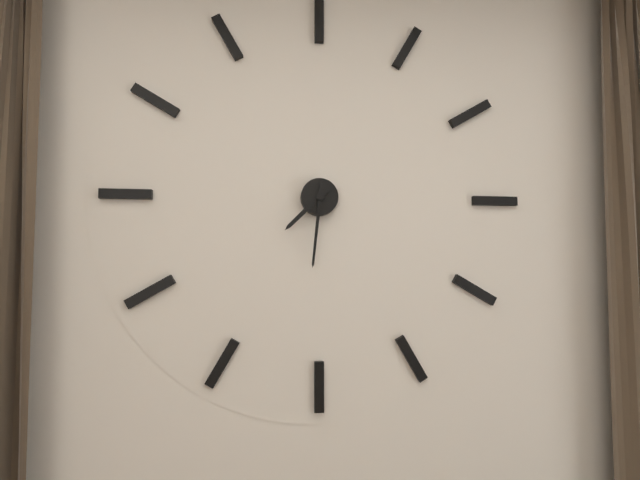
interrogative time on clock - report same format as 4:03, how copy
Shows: 7:31
